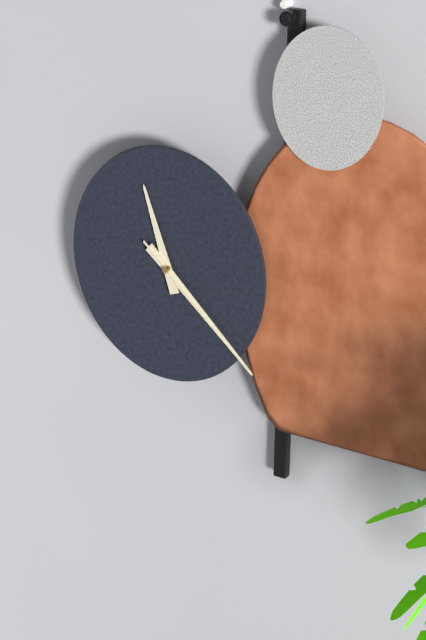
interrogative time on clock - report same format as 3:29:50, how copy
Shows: 11:22:22
